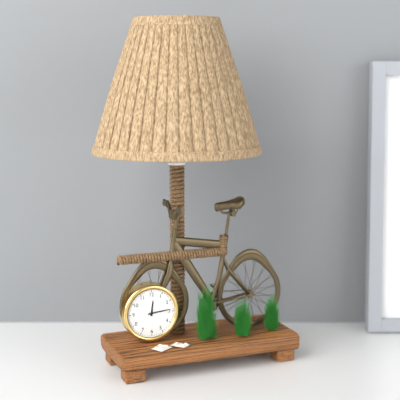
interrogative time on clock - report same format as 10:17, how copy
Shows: 12:14
